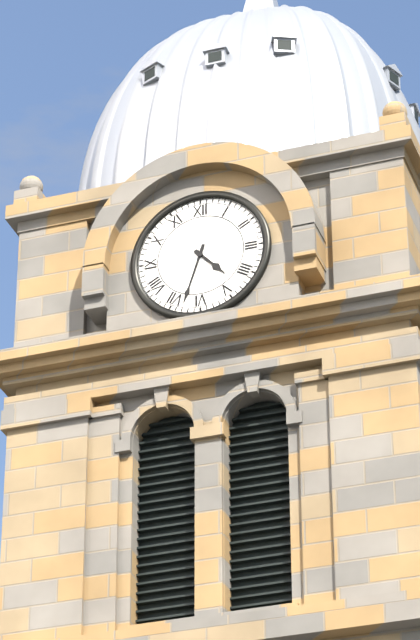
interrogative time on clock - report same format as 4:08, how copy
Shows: 4:33
